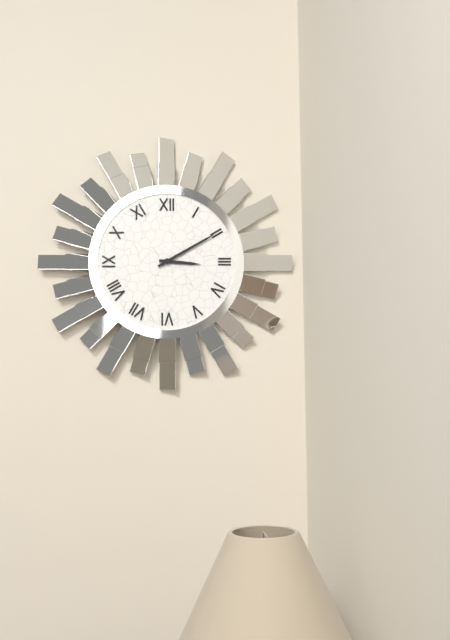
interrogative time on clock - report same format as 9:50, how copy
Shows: 3:10
